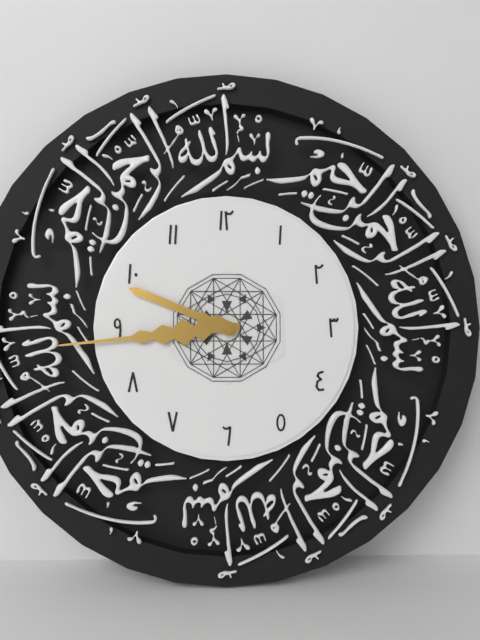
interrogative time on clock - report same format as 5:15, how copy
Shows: 9:44
